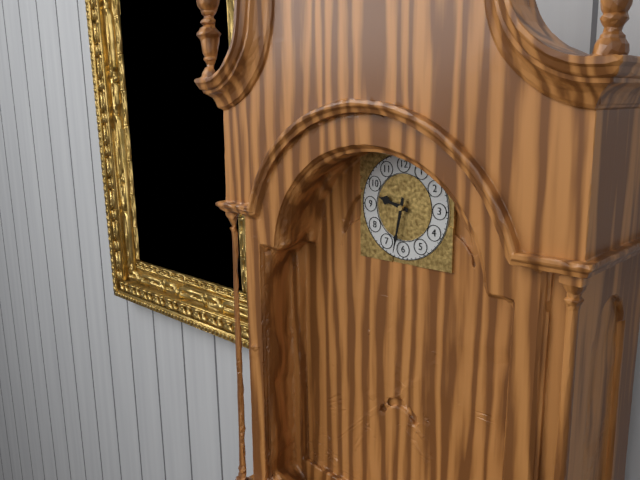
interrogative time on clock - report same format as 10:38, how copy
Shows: 9:32
